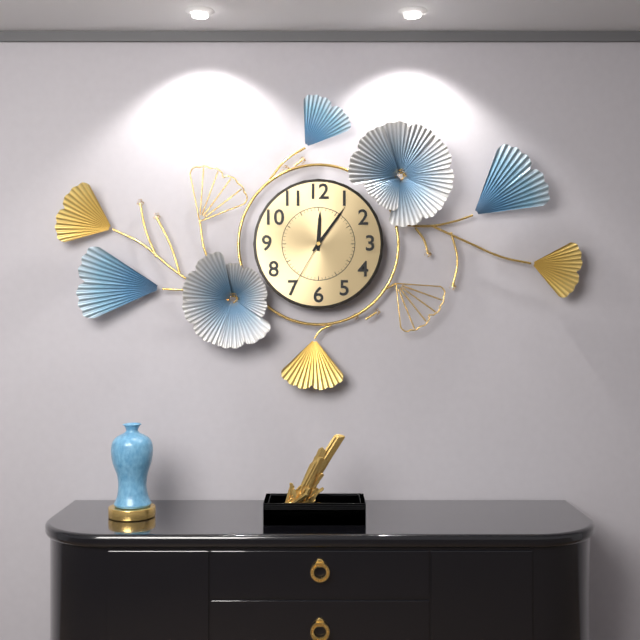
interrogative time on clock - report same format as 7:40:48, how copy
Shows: 12:06:35
